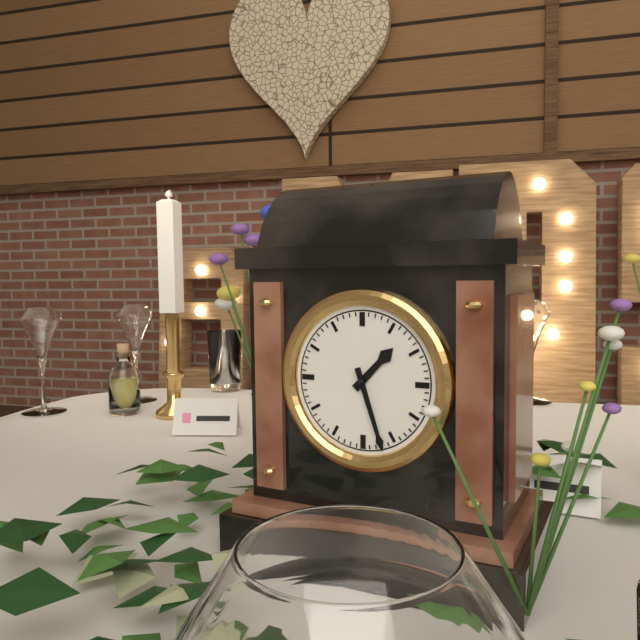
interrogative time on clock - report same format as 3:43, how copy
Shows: 1:27
